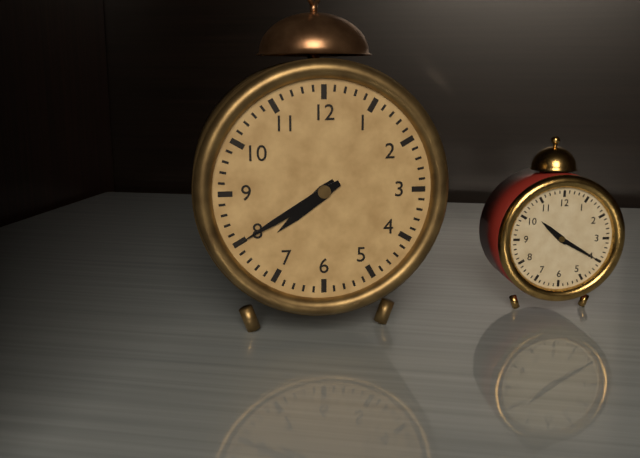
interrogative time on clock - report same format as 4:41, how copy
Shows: 7:40
